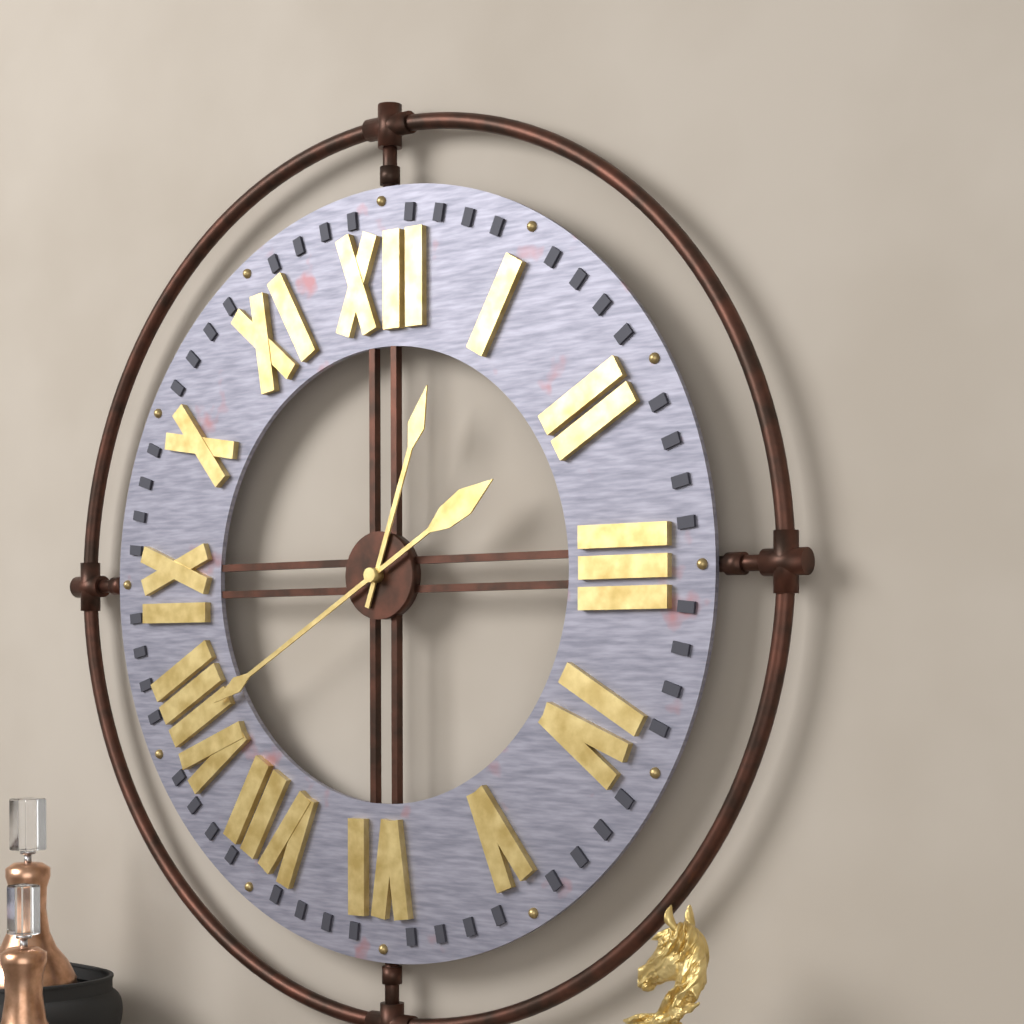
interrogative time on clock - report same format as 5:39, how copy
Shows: 12:40
